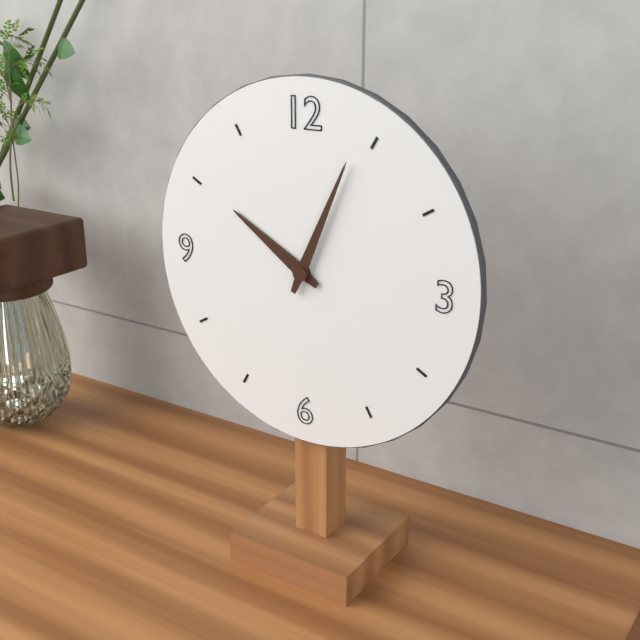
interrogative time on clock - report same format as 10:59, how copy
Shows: 10:04
